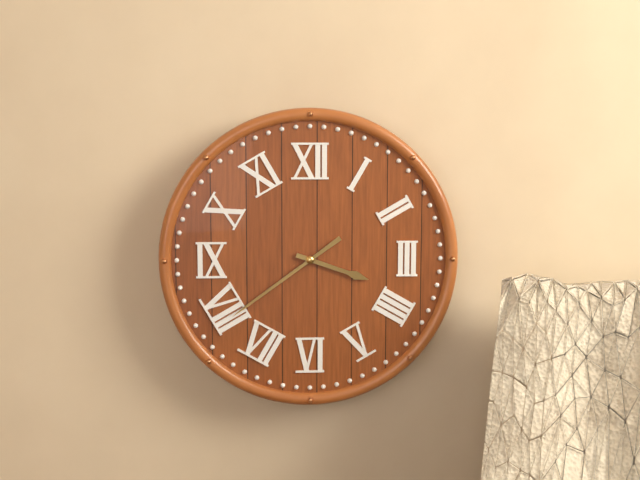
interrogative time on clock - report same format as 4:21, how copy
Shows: 3:39
